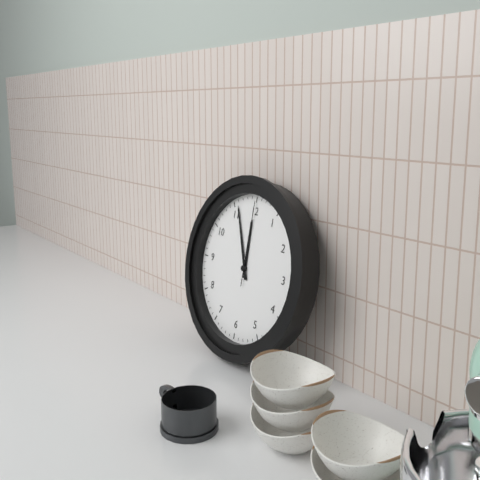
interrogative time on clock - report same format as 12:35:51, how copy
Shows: 11:56:00
